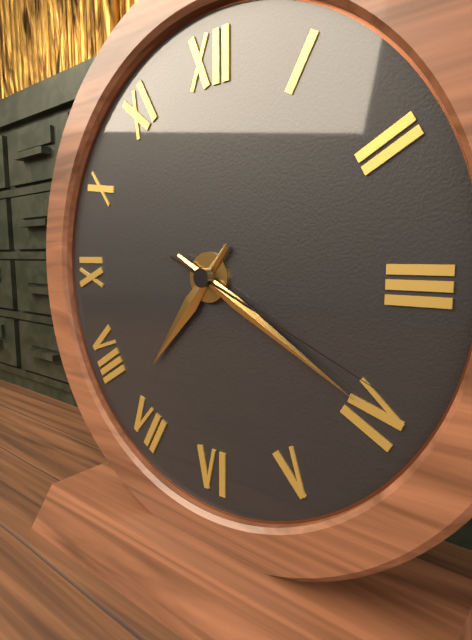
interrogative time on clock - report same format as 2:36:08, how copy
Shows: 7:20:19
